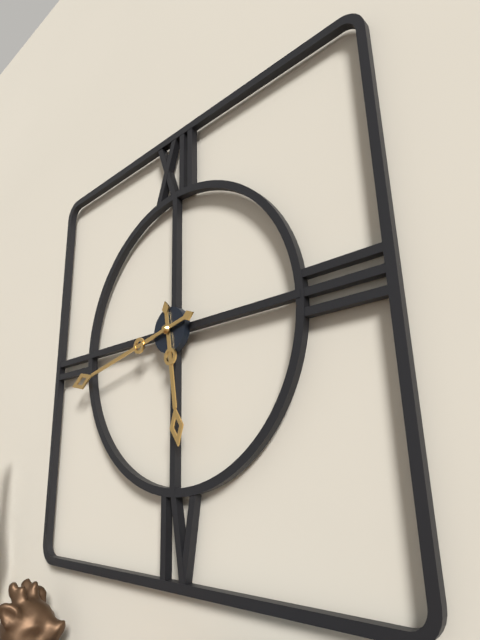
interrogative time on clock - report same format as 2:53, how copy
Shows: 5:43
